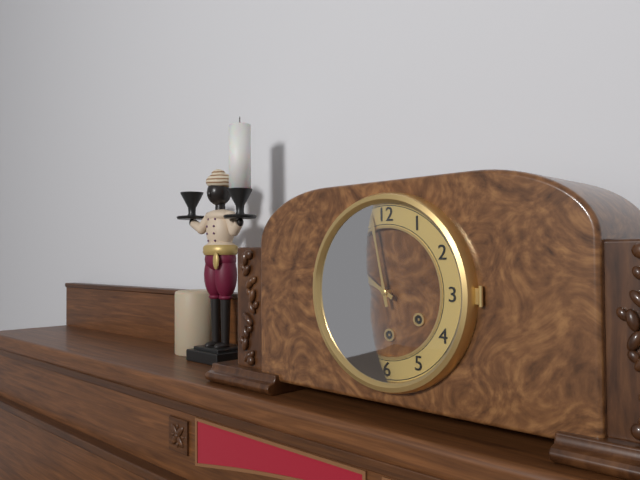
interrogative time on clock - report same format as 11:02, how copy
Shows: 9:58
